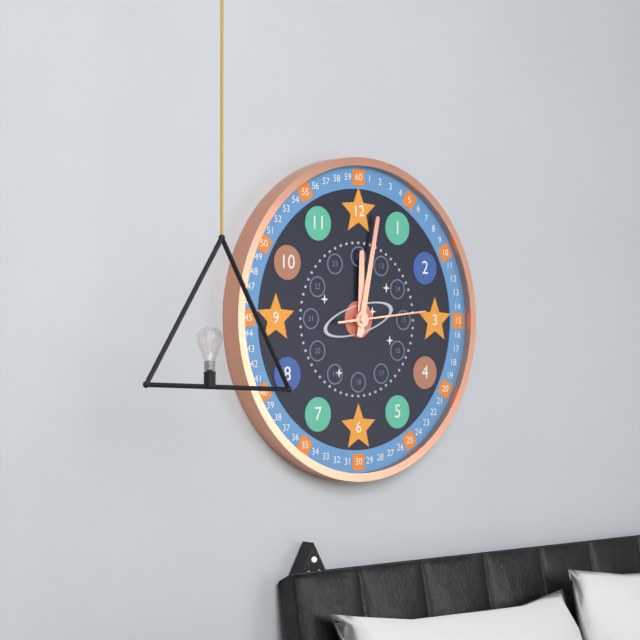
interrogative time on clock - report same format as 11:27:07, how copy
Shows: 12:02:14
